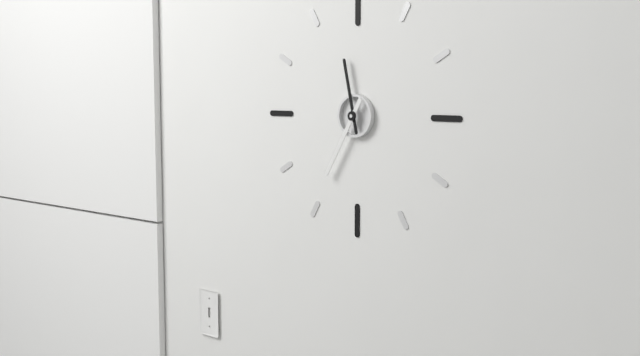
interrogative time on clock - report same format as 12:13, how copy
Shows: 11:35
